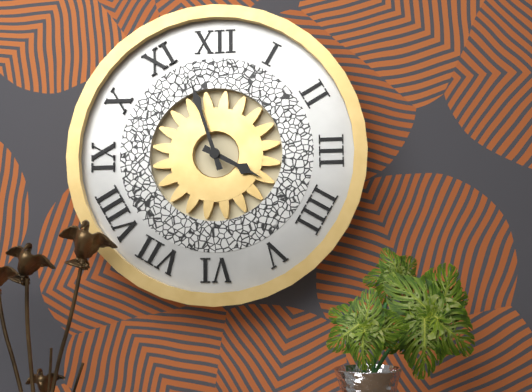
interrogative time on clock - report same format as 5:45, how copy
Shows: 3:57
